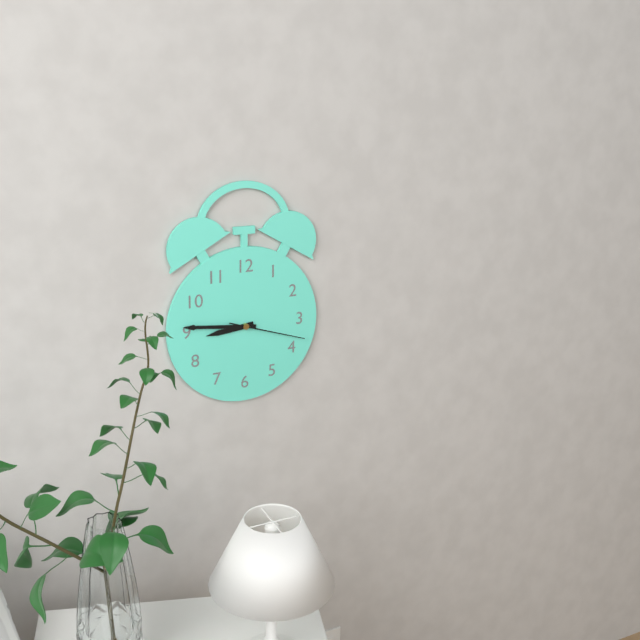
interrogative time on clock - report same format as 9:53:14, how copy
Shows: 8:46:18
